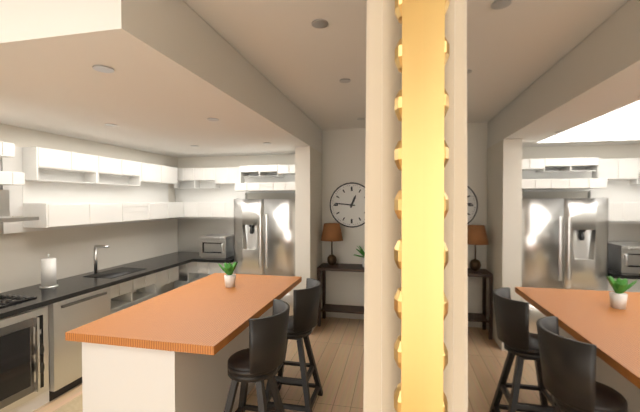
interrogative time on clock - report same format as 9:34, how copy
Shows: 12:46
